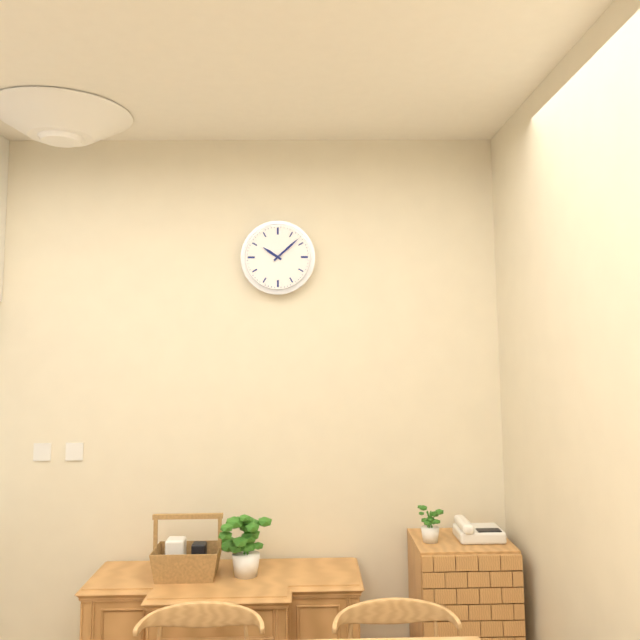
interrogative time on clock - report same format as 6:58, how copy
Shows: 10:08
